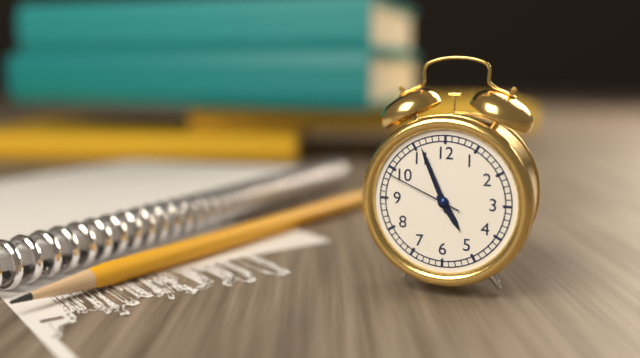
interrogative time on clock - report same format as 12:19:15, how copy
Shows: 4:56:49
